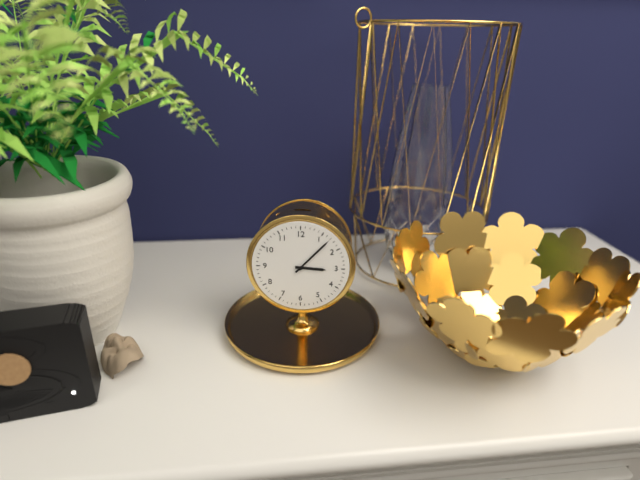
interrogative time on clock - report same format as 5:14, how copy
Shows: 3:07
